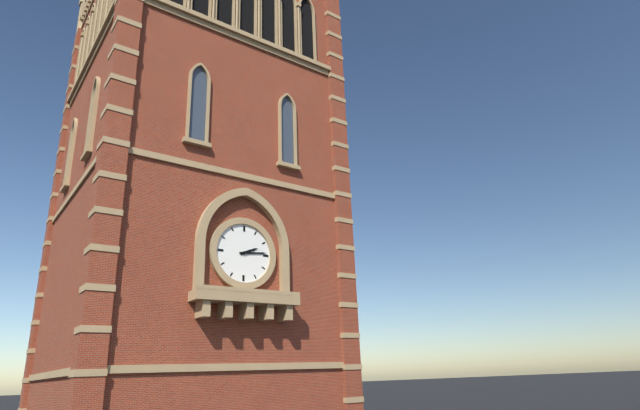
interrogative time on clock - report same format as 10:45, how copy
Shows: 2:14
